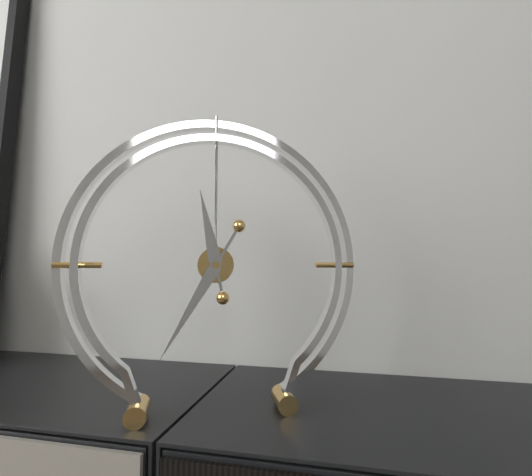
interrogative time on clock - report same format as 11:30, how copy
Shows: 11:35
